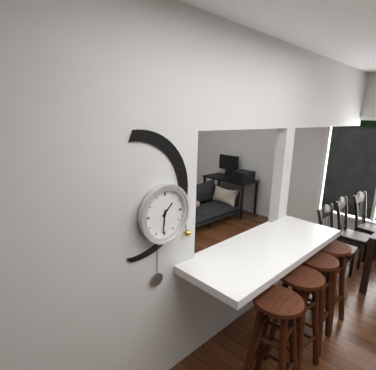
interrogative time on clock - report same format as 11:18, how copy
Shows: 1:31
